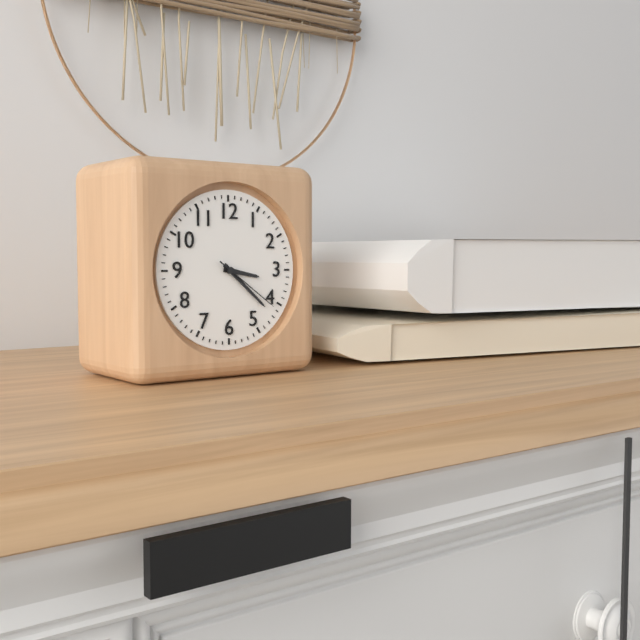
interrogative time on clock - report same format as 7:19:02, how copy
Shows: 3:22:21
